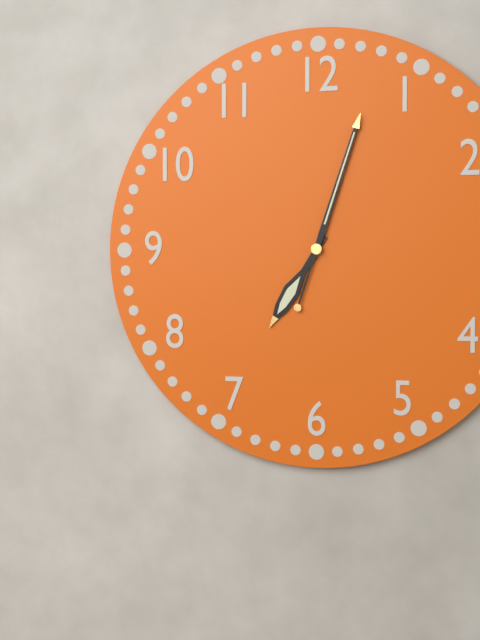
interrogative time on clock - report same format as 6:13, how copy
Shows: 7:03
